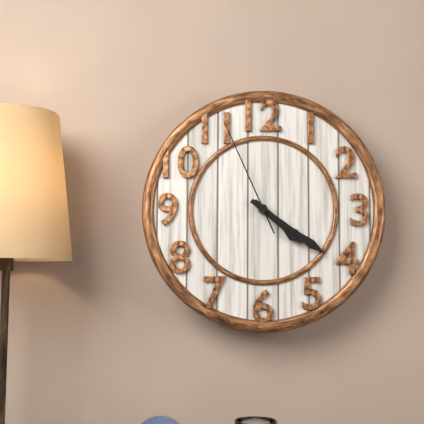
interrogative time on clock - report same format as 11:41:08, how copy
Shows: 4:21:56
